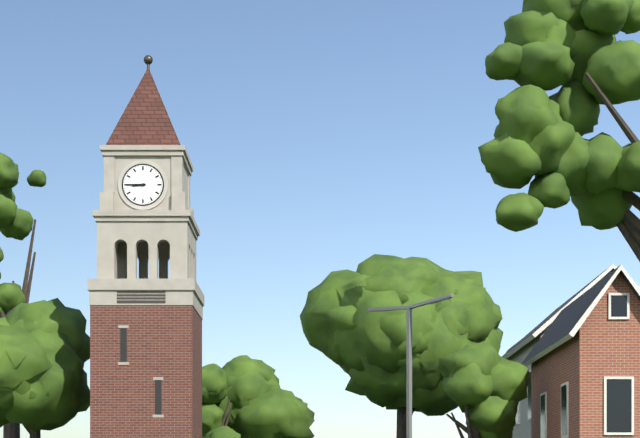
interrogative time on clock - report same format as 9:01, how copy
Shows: 8:45
